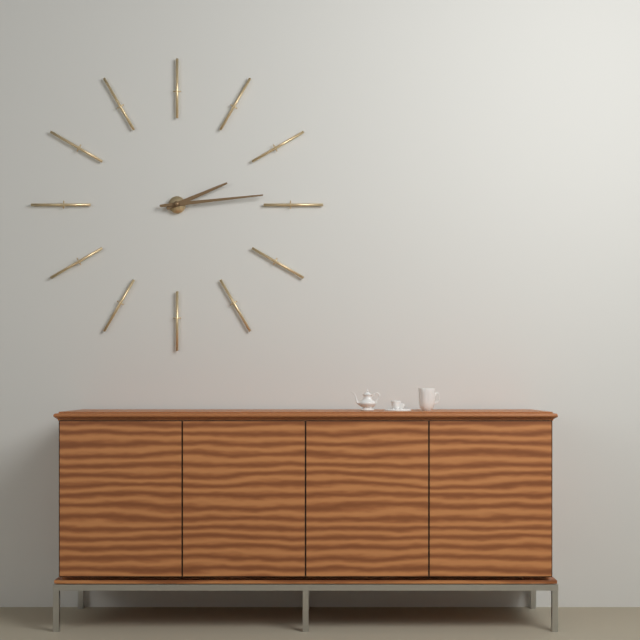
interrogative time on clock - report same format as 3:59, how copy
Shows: 2:14
